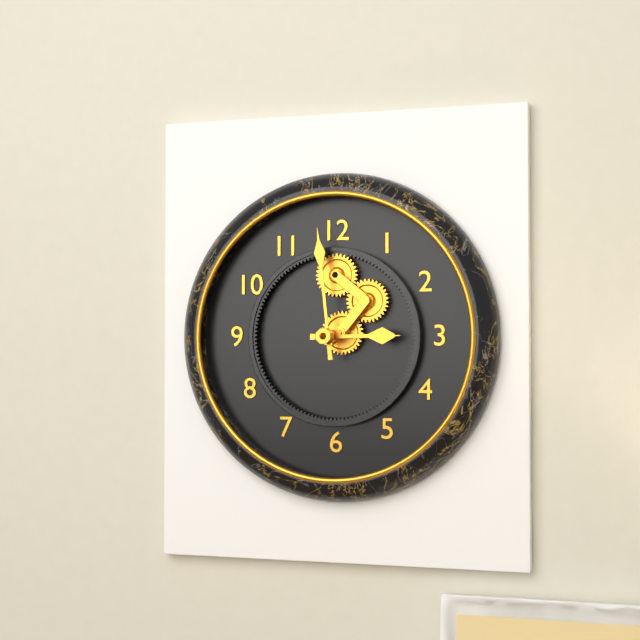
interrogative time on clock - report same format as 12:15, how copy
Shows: 2:59
